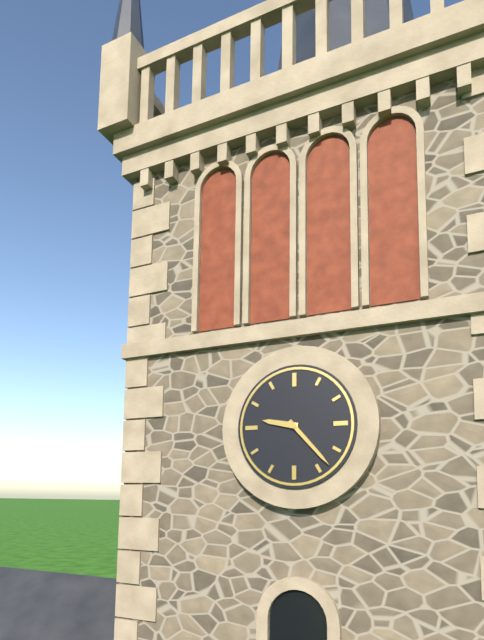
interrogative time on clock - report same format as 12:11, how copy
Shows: 9:23
